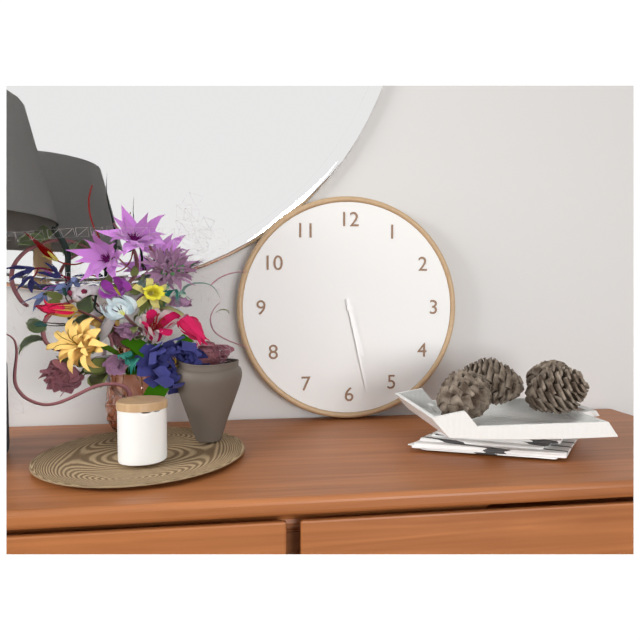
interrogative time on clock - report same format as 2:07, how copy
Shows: 5:28
